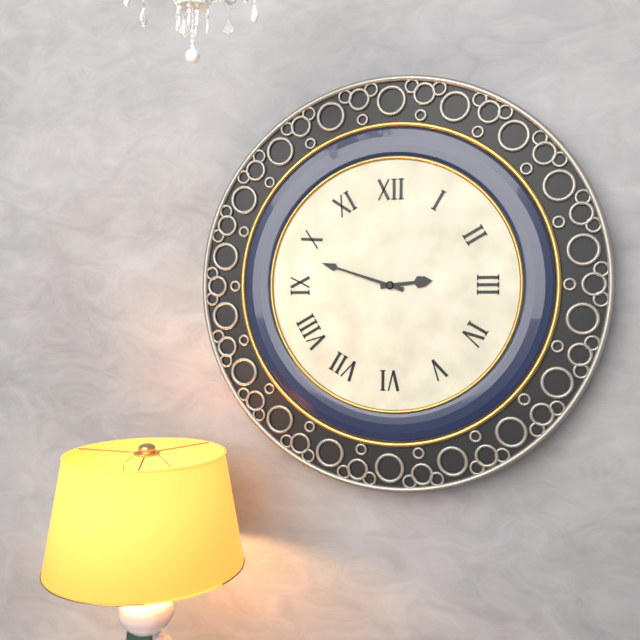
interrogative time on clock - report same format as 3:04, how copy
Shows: 2:48
